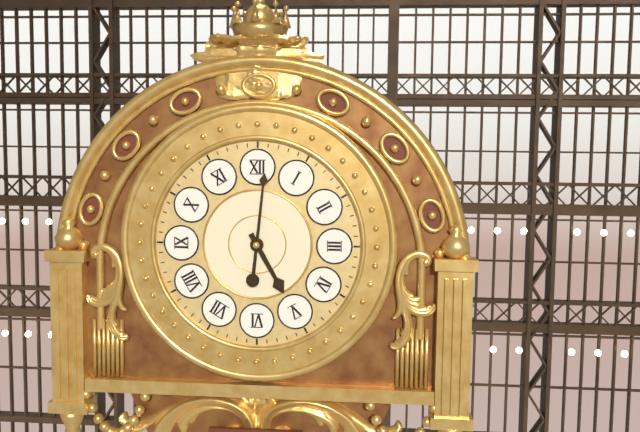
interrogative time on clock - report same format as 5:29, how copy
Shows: 5:01
